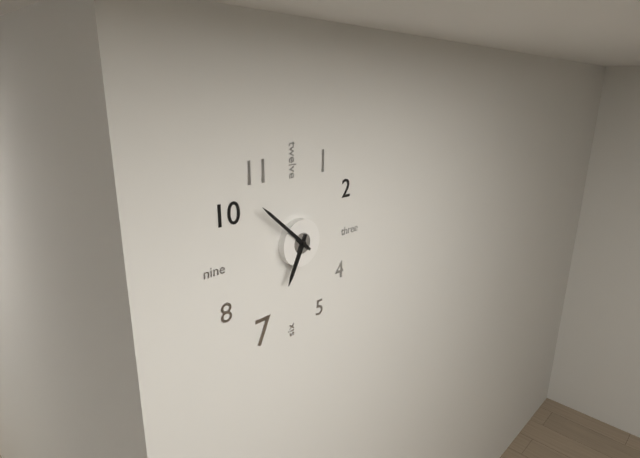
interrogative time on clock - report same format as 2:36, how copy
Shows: 6:52
